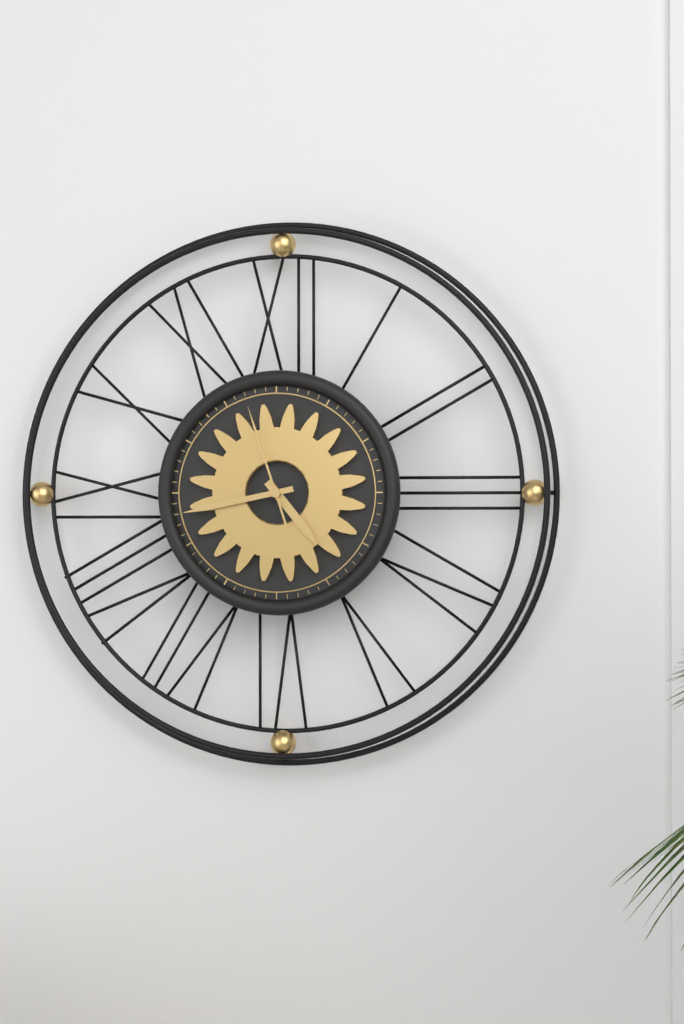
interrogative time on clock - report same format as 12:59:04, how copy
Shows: 4:43:57
